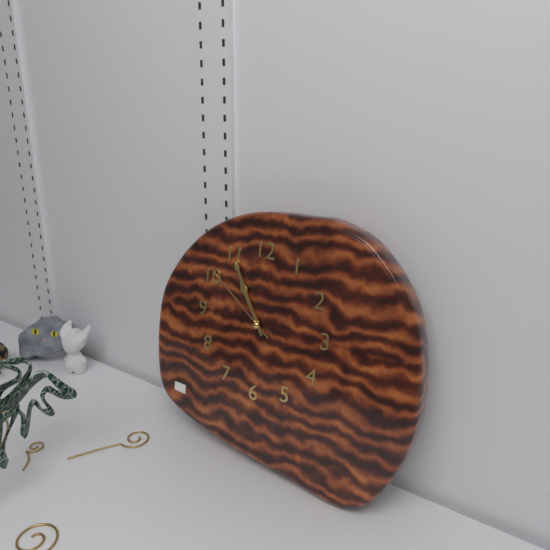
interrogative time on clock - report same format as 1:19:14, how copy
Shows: 10:55:51
